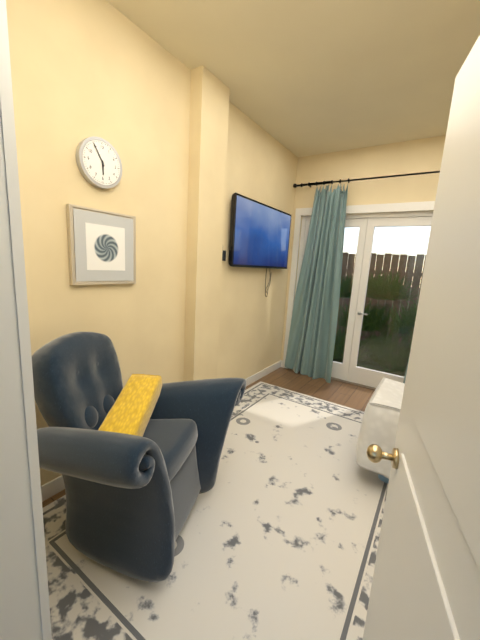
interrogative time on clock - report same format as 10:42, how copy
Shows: 5:55
